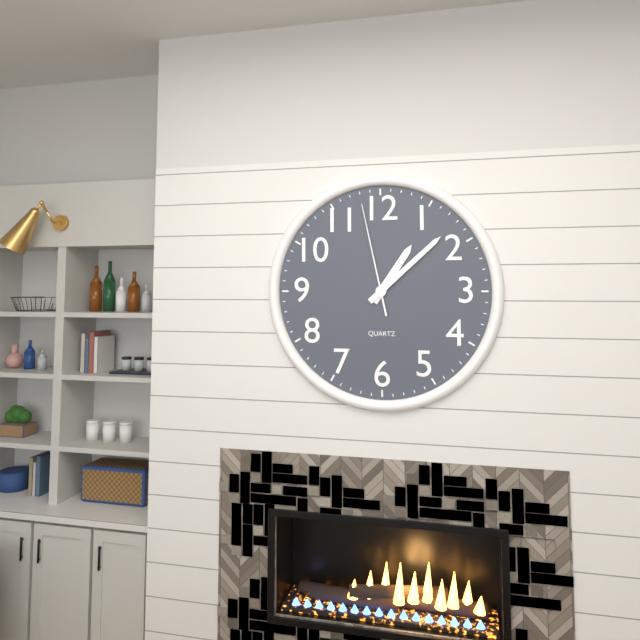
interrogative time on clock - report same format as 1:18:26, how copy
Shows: 1:08:58
